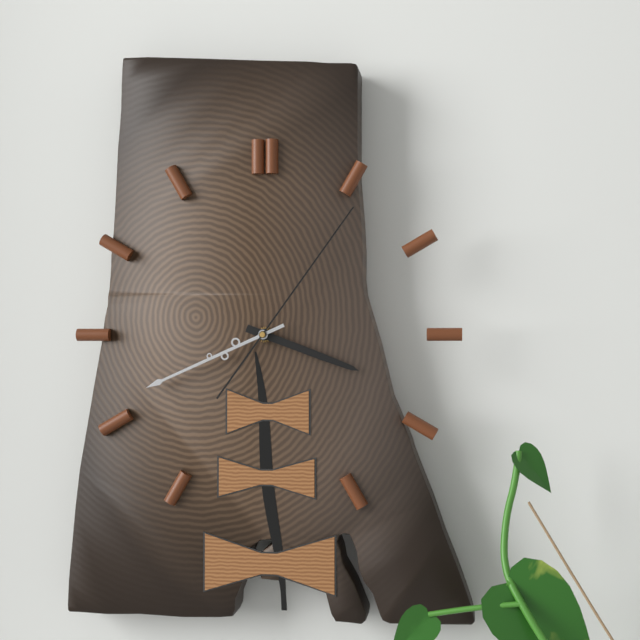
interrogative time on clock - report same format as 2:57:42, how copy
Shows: 3:41:06
